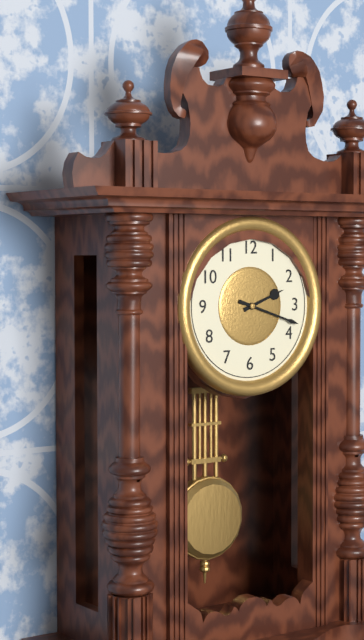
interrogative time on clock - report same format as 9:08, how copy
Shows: 2:18
